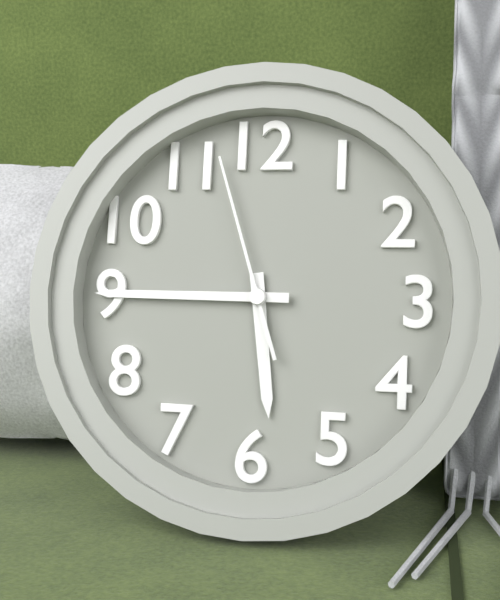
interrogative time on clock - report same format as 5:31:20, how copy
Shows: 5:45:57
